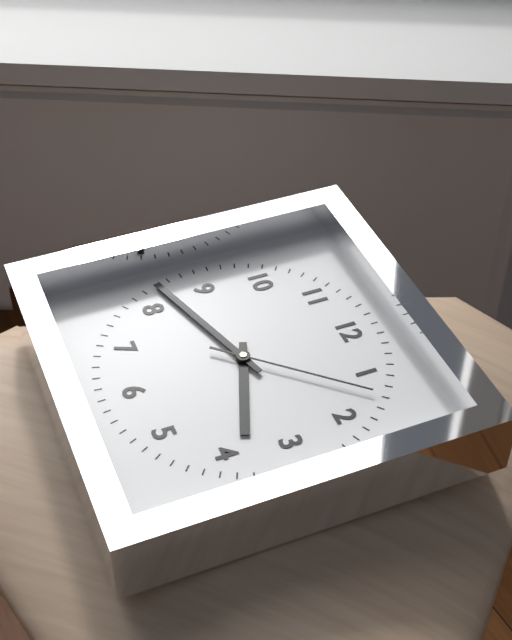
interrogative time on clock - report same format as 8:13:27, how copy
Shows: 3:42:07
